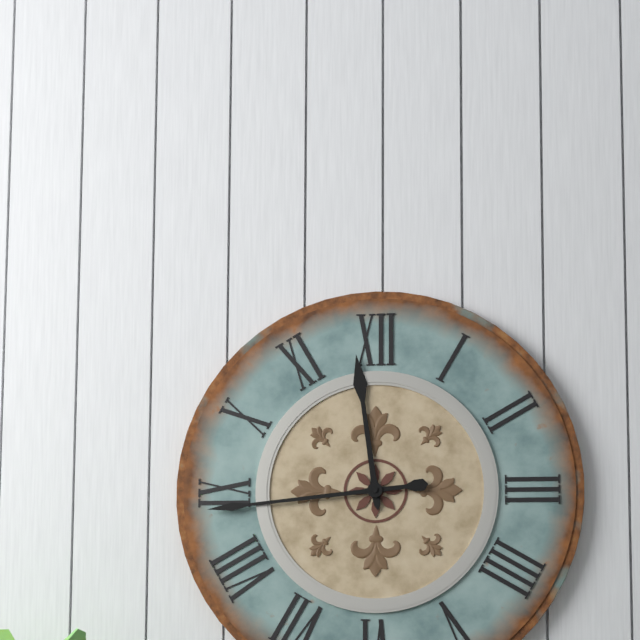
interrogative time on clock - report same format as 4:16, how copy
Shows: 11:44
